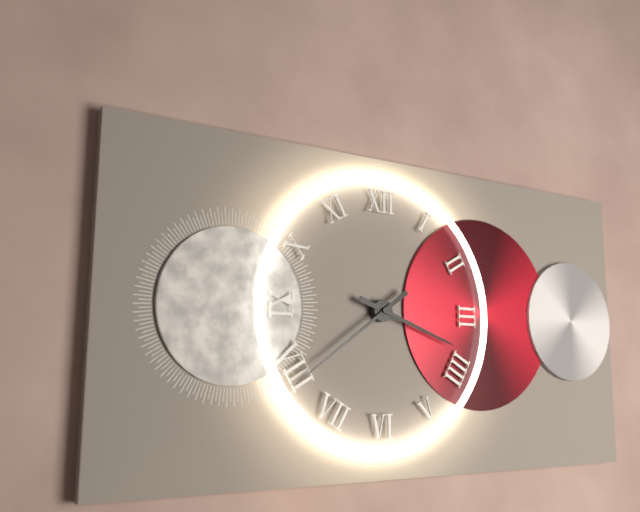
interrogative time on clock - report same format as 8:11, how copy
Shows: 3:39
